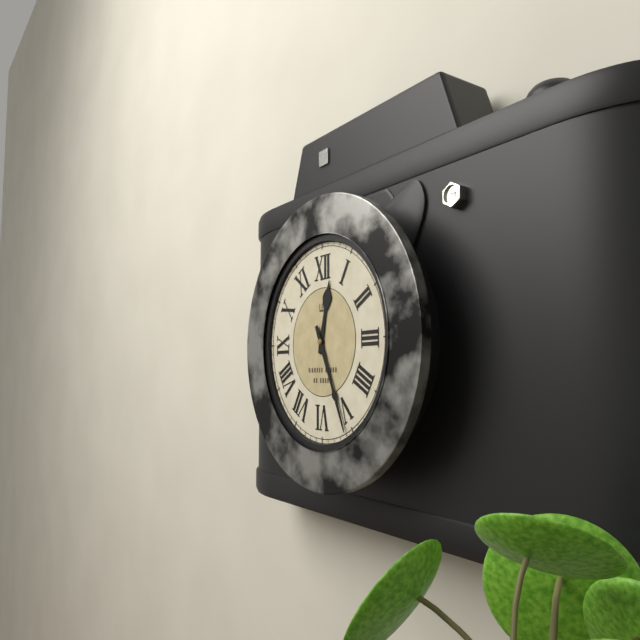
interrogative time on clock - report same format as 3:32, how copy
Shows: 12:26
